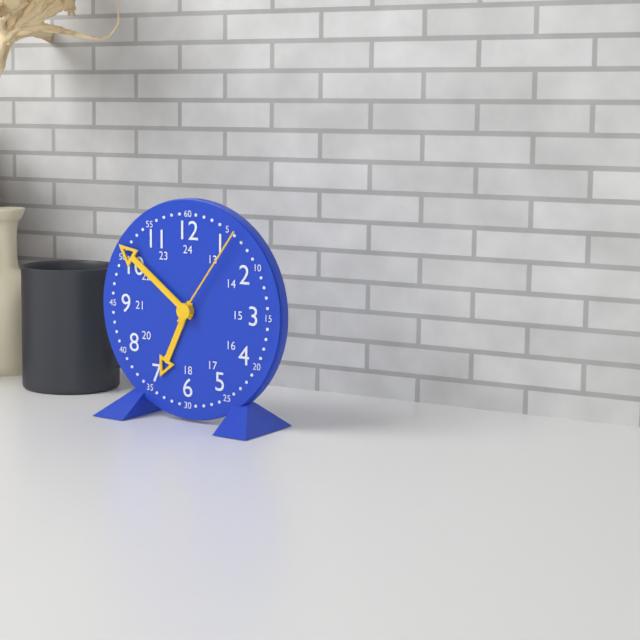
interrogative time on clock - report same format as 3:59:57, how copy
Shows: 6:51:06
